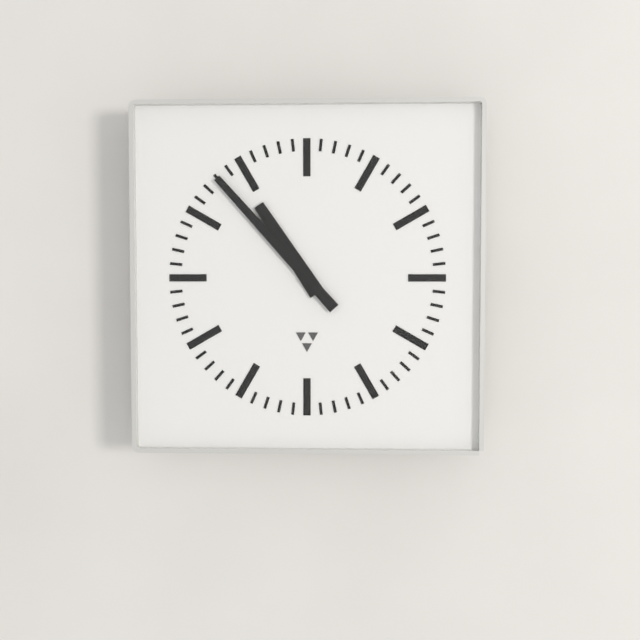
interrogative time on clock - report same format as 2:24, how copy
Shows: 10:53
